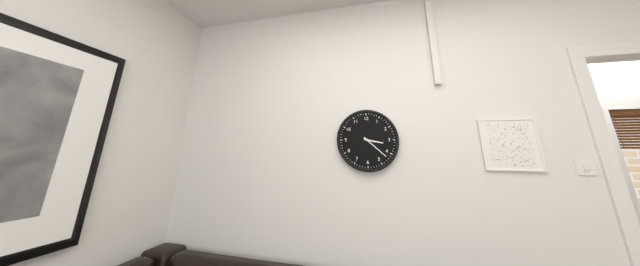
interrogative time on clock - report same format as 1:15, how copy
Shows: 3:22
